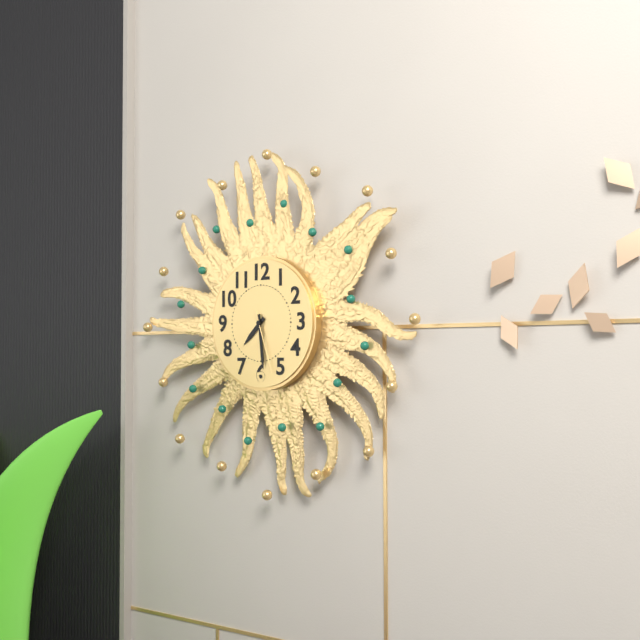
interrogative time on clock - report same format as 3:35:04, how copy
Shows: 7:29:27
